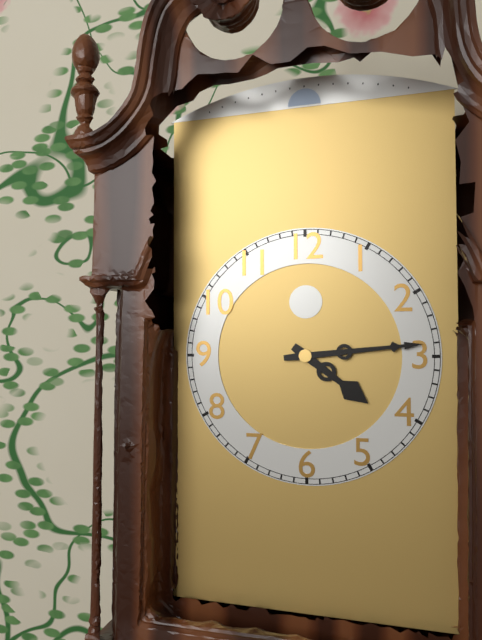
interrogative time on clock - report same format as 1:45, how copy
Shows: 4:14
